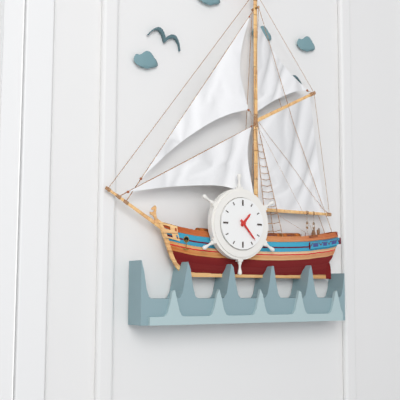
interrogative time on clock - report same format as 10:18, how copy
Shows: 1:23
